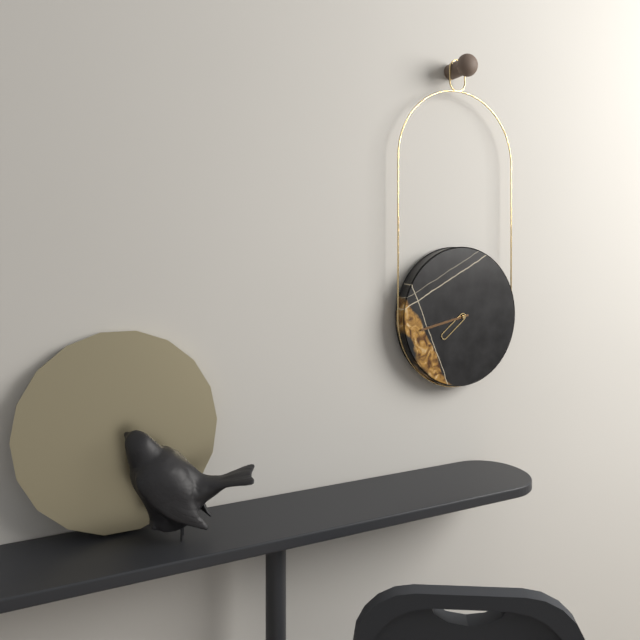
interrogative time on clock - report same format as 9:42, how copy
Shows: 7:43
